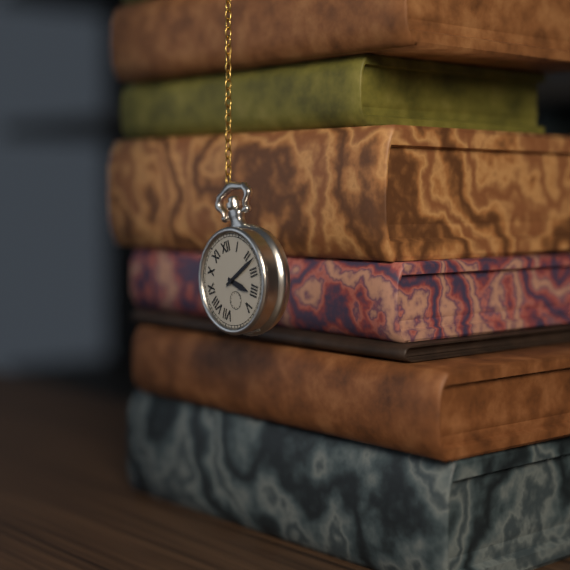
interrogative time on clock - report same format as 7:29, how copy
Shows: 4:12
